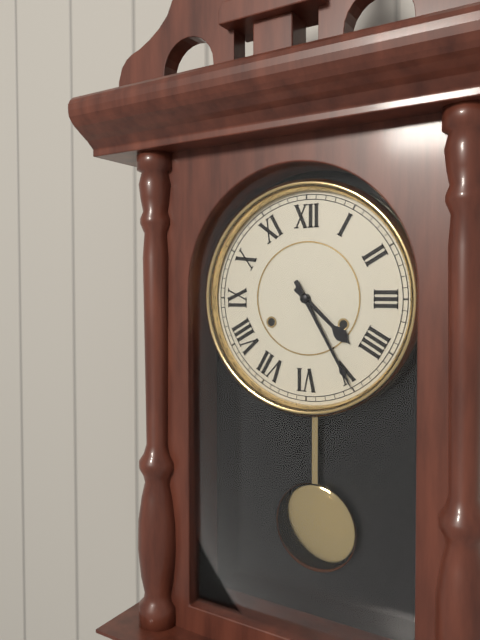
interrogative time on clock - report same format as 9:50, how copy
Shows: 4:25
